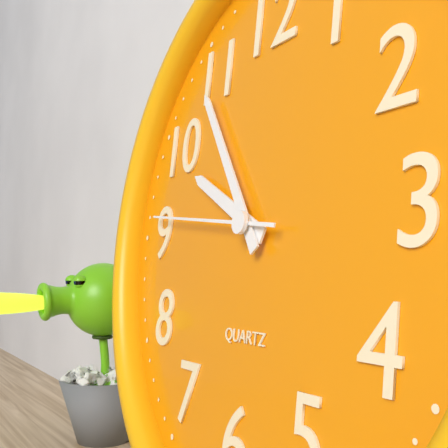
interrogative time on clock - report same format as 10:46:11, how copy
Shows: 9:54:46
